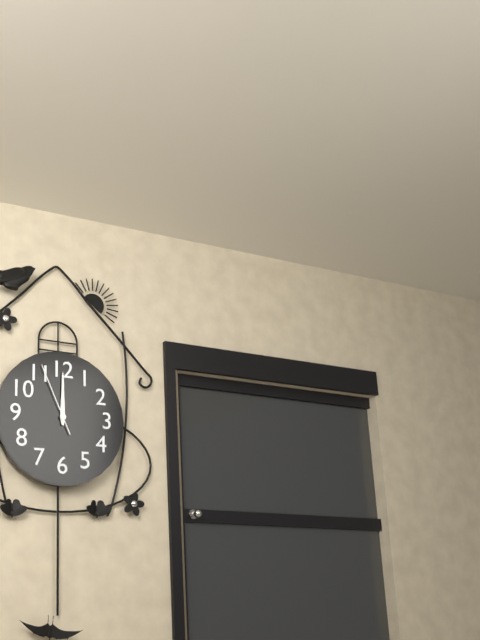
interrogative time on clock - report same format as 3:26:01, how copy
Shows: 12:00:56
